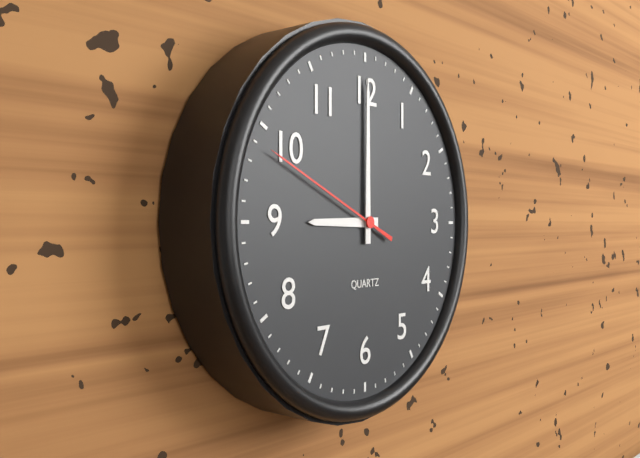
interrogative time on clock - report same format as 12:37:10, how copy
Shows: 9:00:49
